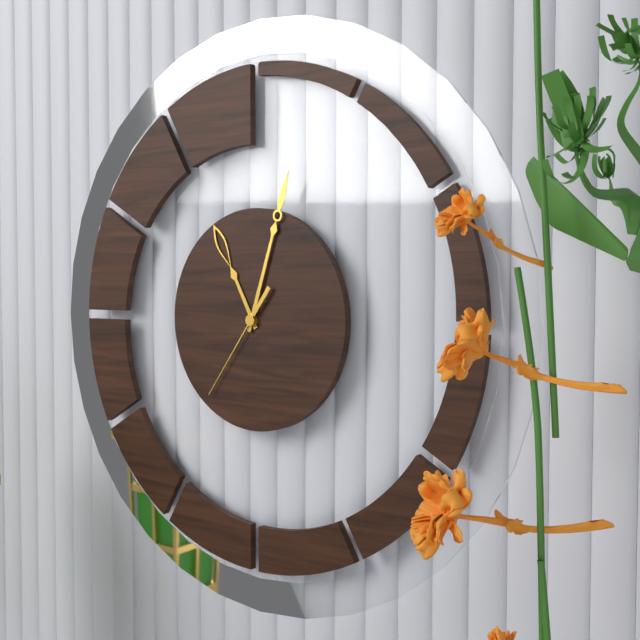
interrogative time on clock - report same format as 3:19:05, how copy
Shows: 11:03:36
